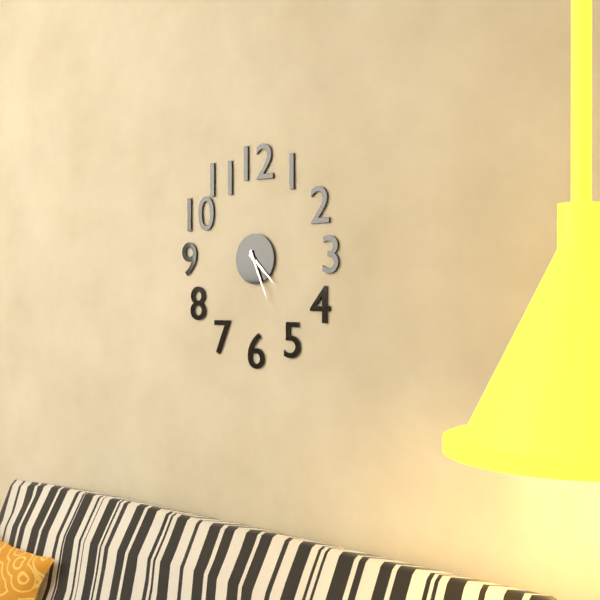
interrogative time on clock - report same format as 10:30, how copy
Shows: 4:26
